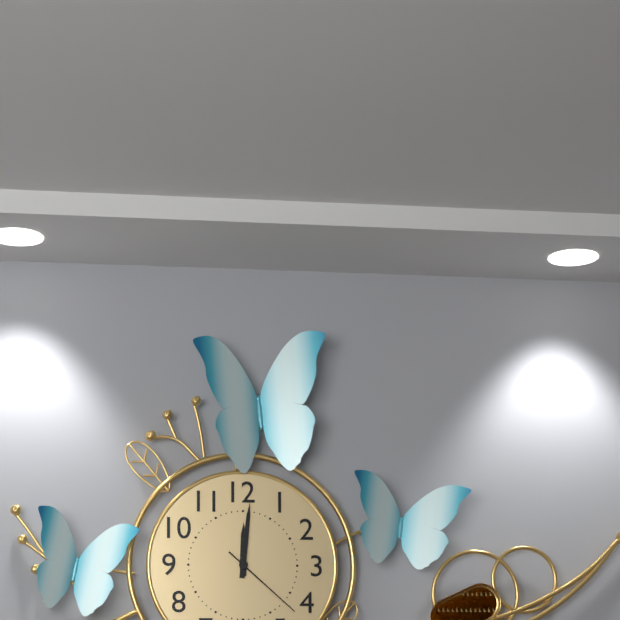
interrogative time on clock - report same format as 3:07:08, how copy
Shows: 12:01:22
